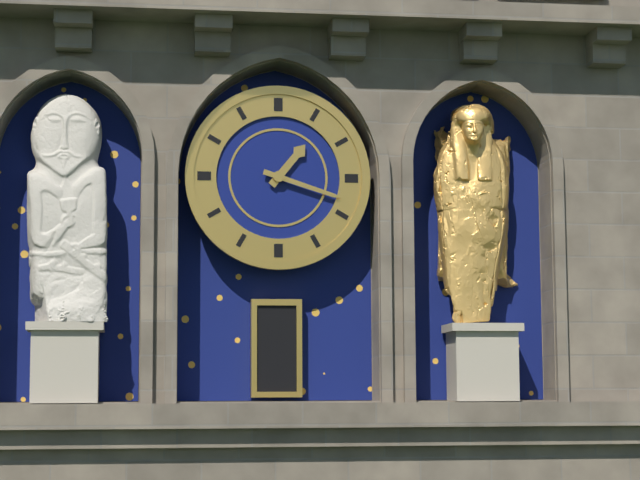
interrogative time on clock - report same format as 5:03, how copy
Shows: 1:18
